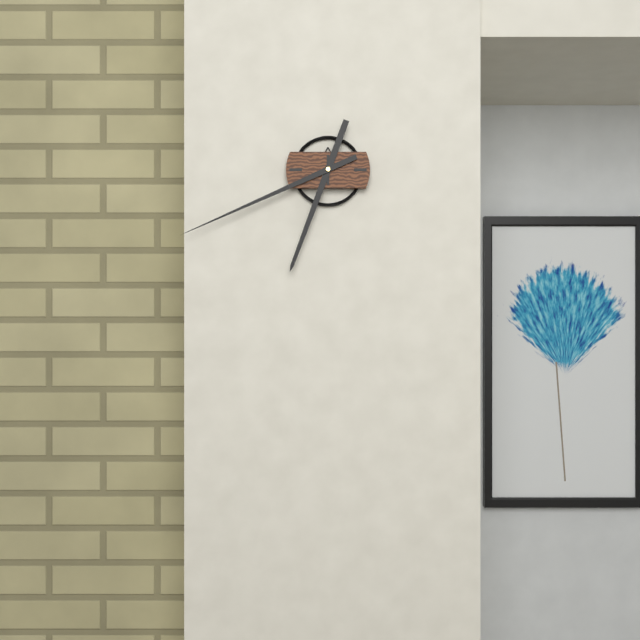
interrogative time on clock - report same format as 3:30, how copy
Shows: 6:41
